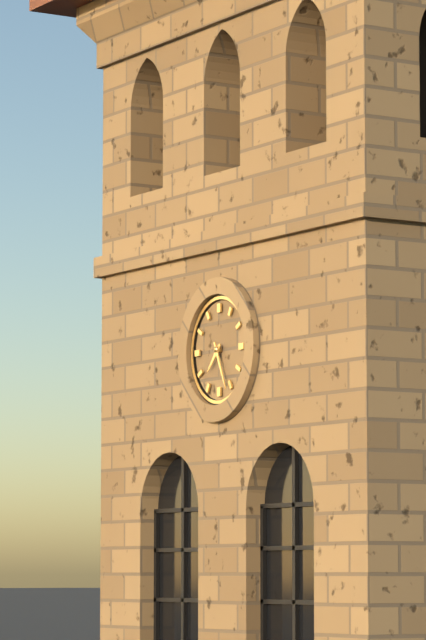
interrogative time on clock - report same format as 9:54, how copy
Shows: 7:26
